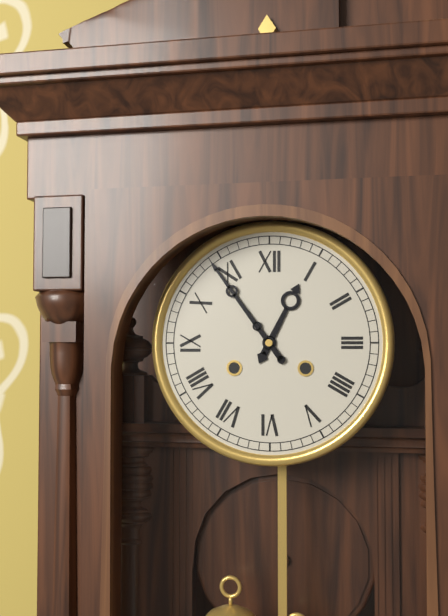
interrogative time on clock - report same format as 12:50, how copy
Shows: 12:54
